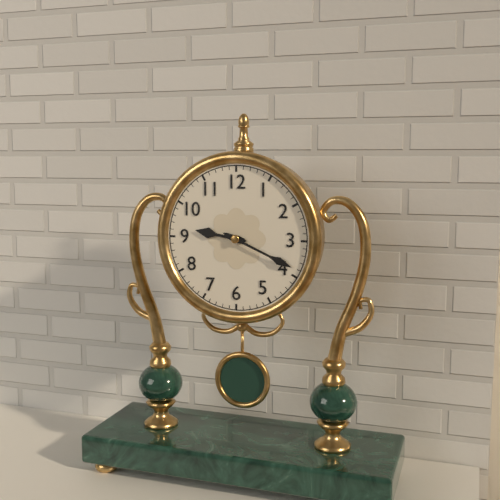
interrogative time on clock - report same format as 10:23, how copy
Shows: 9:19
